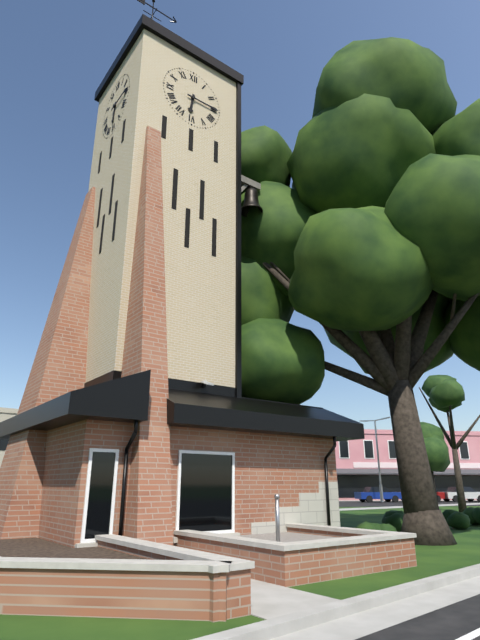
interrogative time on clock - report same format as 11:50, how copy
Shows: 6:15
